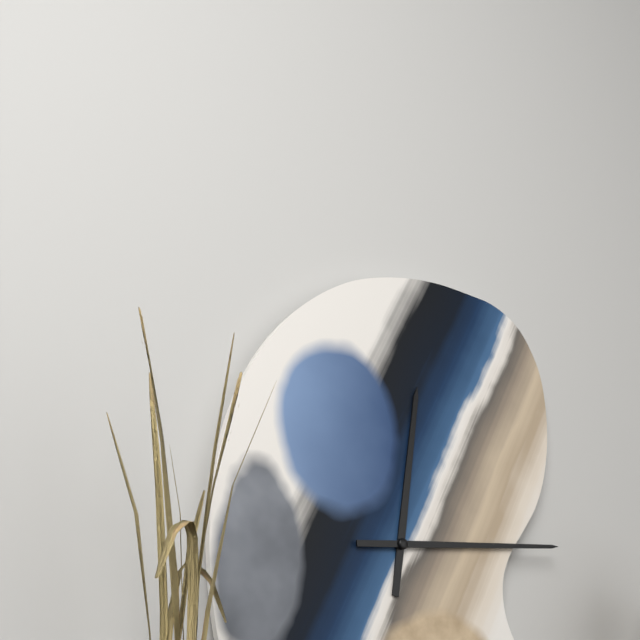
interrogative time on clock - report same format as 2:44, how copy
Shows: 12:14
